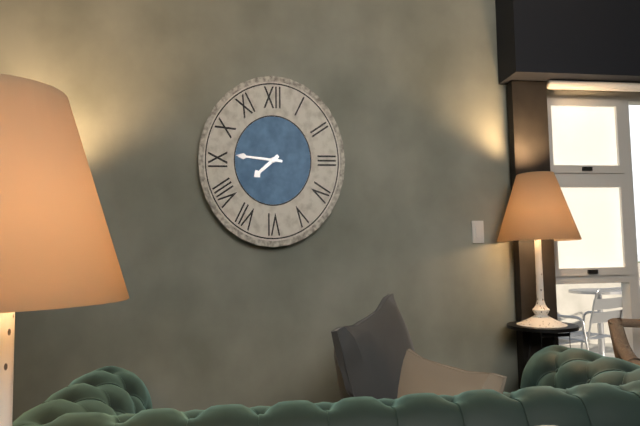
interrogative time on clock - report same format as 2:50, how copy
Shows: 7:46
